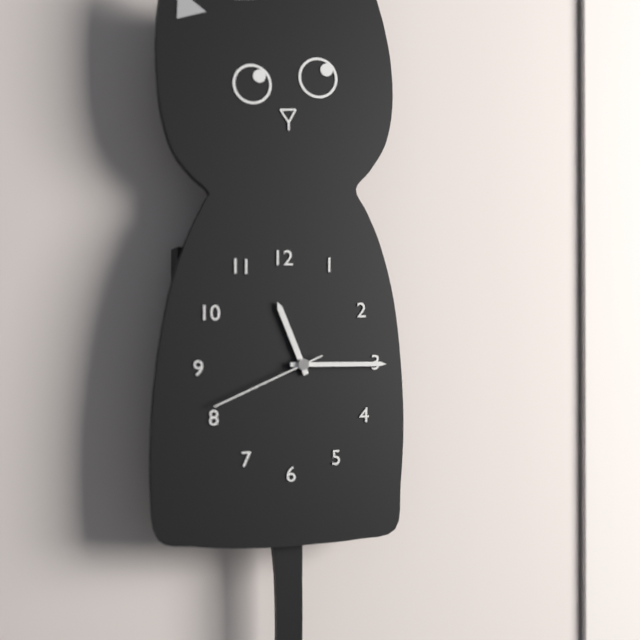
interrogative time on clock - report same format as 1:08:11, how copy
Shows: 11:15:41
